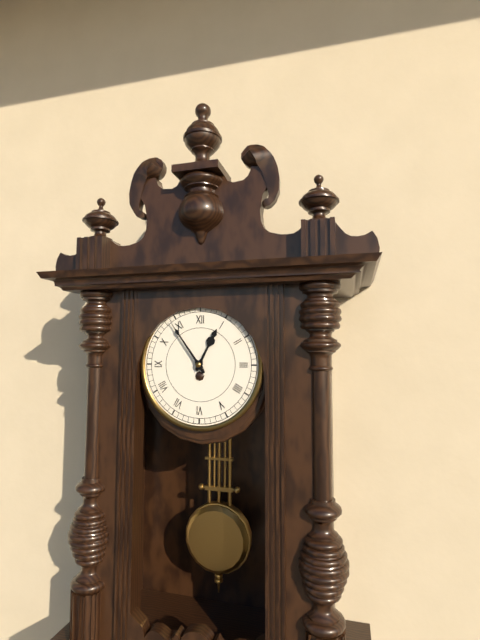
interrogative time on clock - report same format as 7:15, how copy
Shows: 12:54
